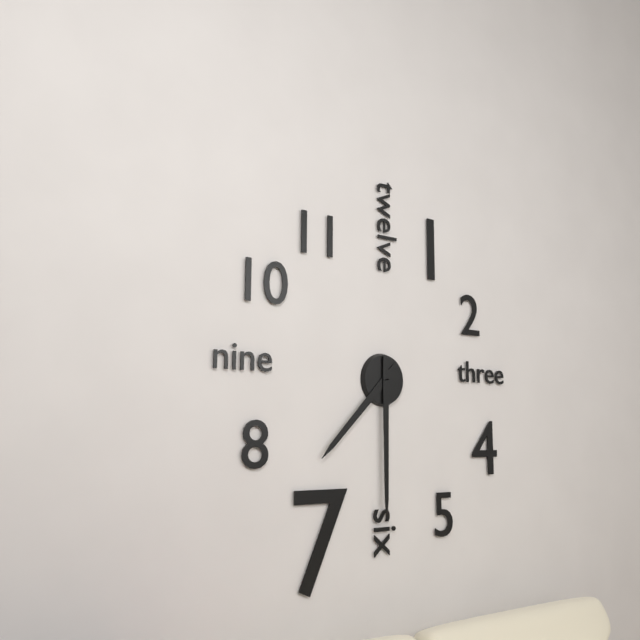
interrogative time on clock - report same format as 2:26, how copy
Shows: 7:30
